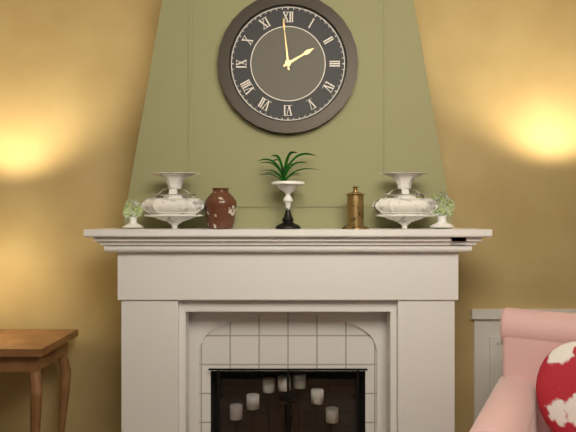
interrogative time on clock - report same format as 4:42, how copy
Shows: 1:59
